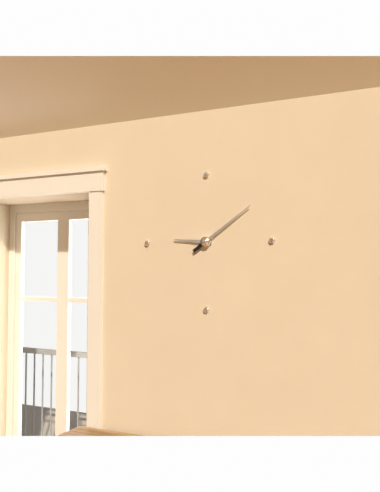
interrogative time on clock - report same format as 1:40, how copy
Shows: 9:09
